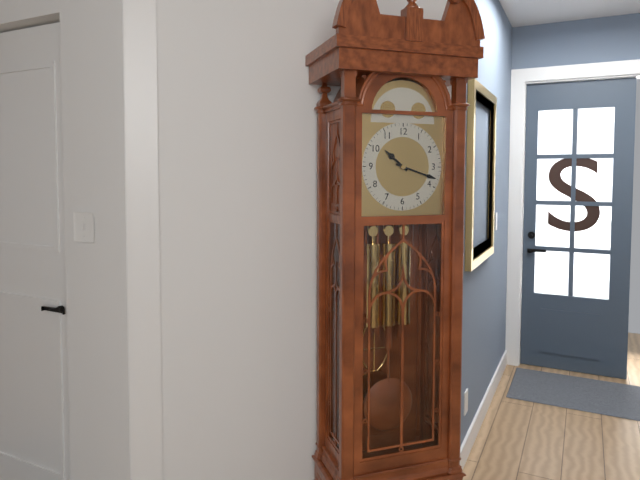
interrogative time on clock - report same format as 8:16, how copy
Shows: 10:18
